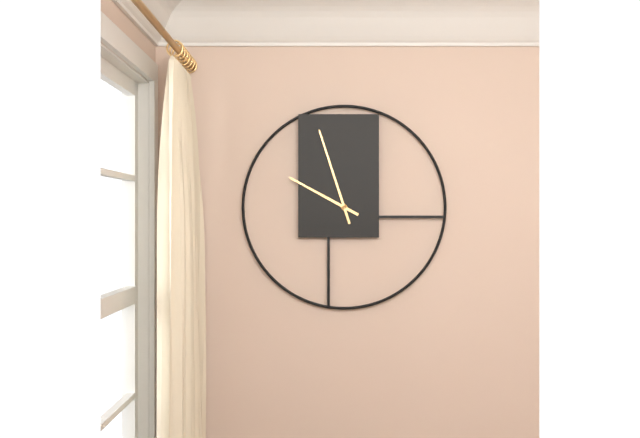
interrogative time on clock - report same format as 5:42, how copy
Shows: 9:57
